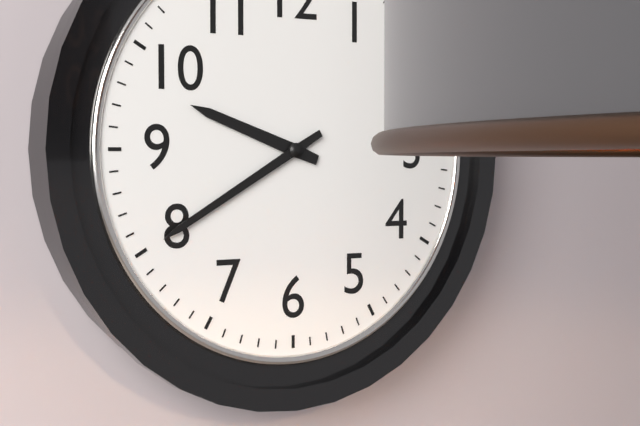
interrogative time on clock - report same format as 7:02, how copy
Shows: 9:40
